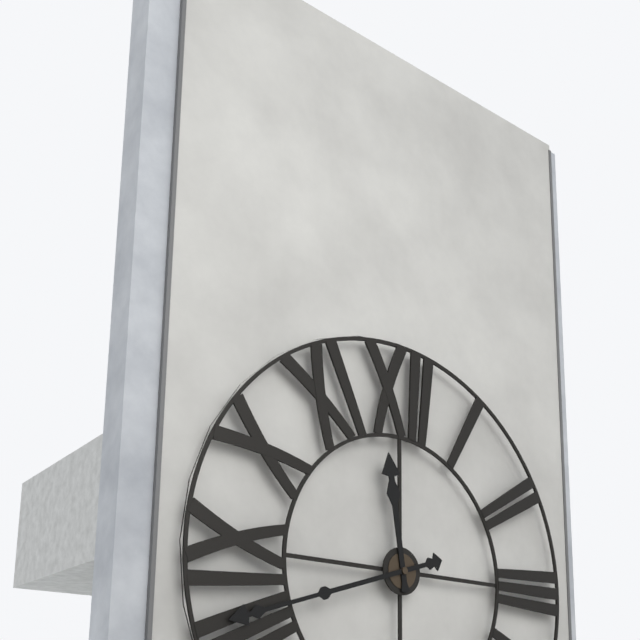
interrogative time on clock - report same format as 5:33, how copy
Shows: 11:42
